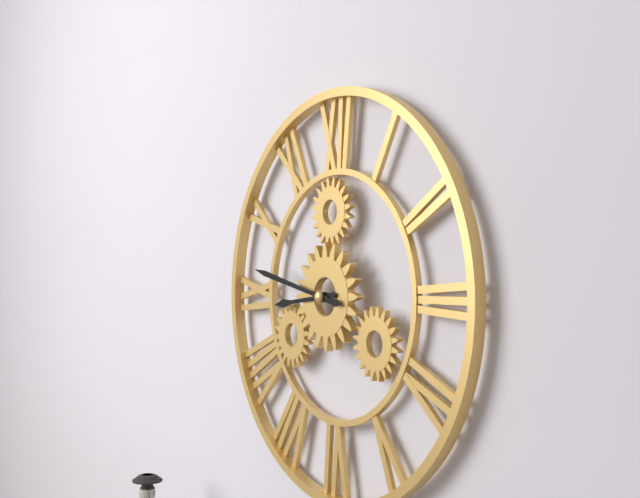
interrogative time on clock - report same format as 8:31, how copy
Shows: 8:47
